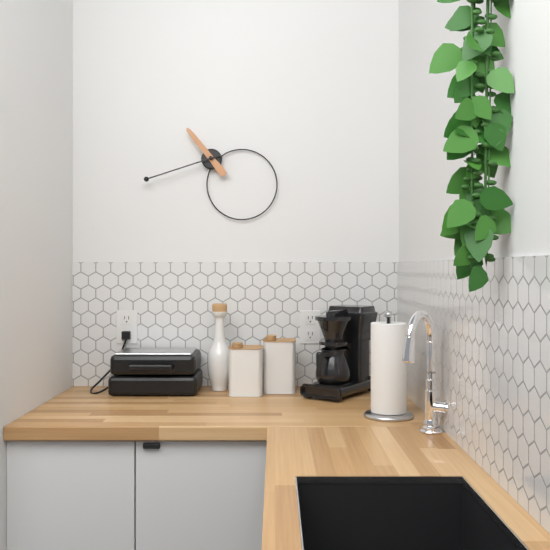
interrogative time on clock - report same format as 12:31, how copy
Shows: 10:42
